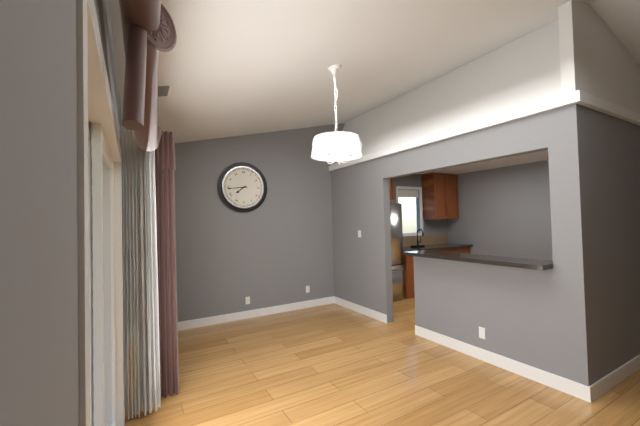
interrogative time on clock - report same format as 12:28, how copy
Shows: 7:44
